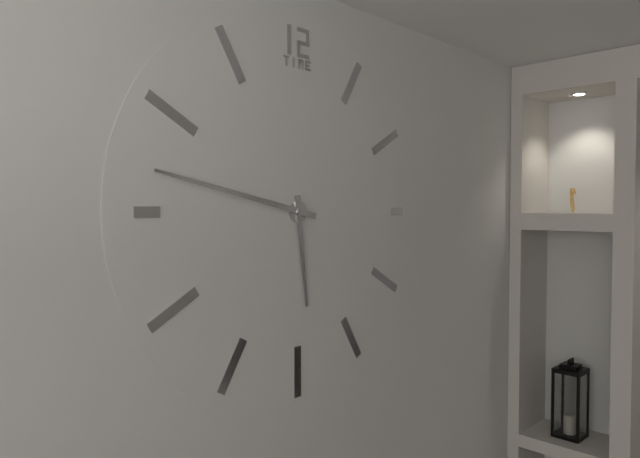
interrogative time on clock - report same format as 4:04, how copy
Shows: 5:47
